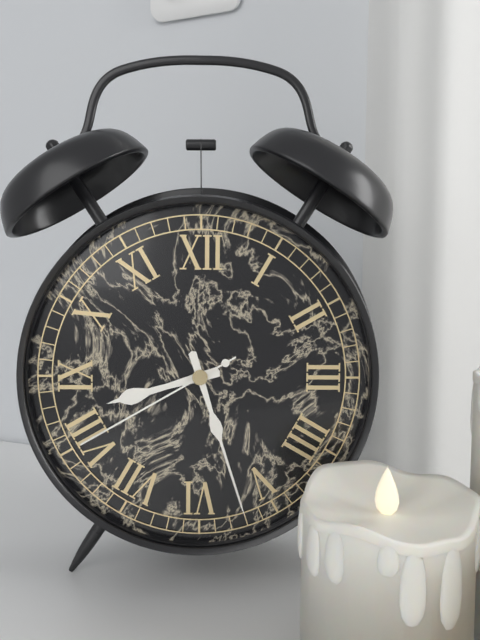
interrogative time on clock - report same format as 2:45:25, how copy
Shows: 8:27:40
